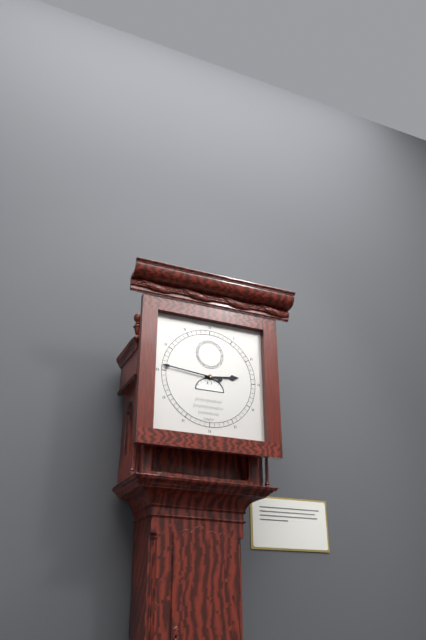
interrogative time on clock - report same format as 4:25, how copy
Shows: 2:46
